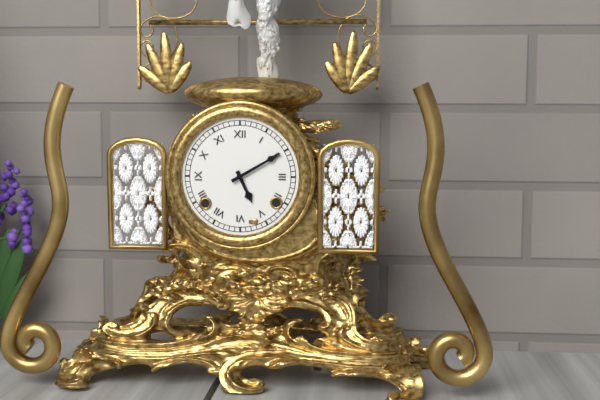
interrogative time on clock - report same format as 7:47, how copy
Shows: 5:10
